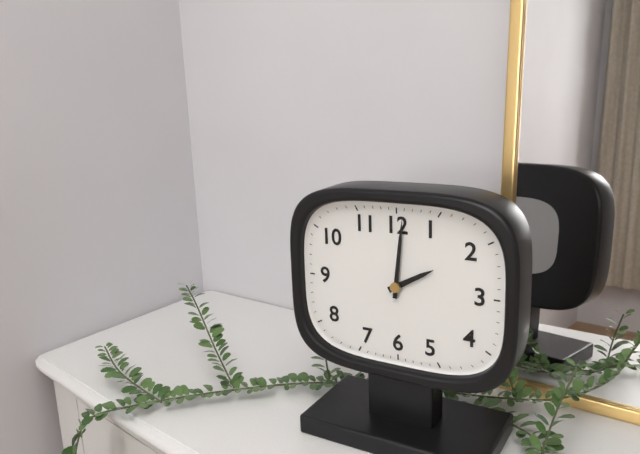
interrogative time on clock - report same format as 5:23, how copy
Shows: 2:01
